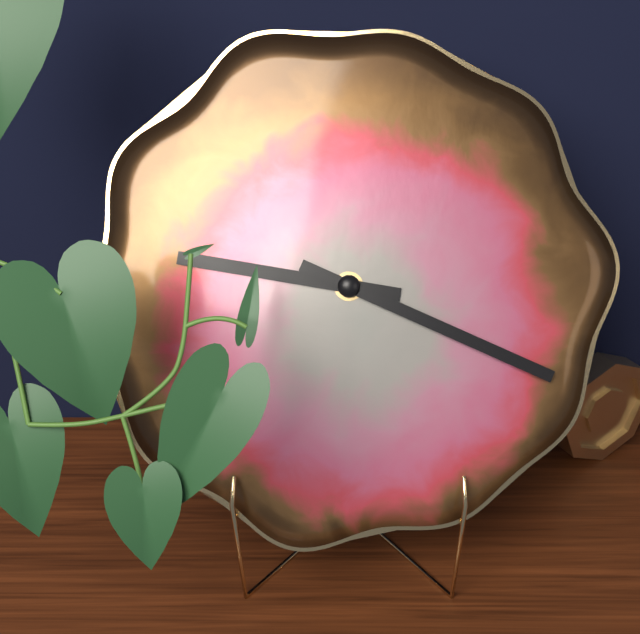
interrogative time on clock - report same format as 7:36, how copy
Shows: 9:19
